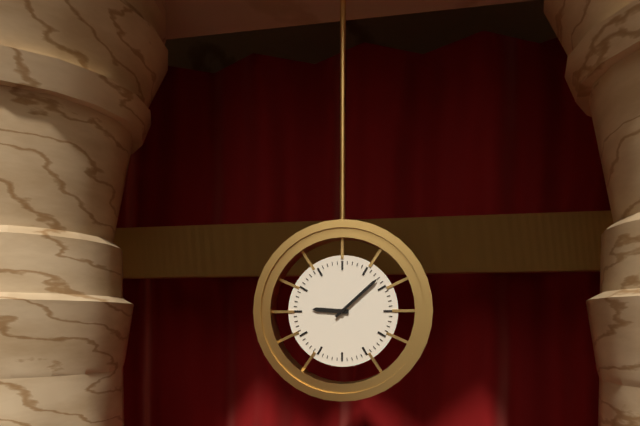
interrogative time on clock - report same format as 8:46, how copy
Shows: 9:08
